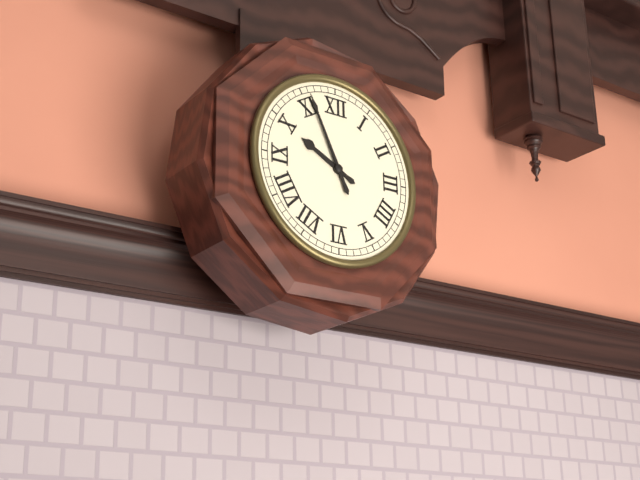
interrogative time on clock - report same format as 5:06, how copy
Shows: 9:56
